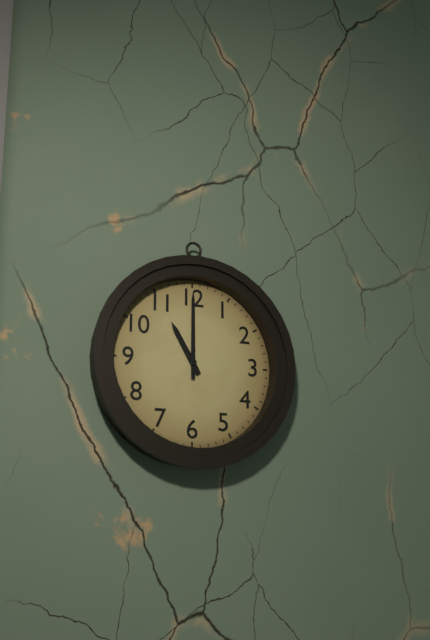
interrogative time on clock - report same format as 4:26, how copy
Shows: 11:00
